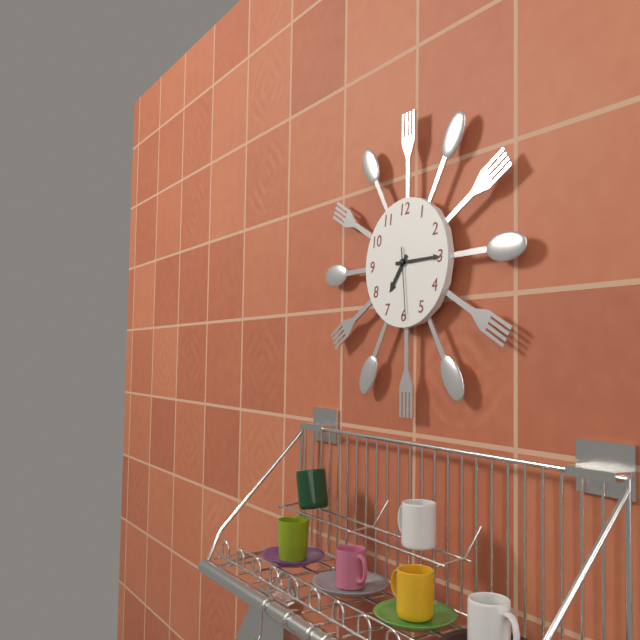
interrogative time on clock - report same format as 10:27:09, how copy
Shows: 7:15:29
